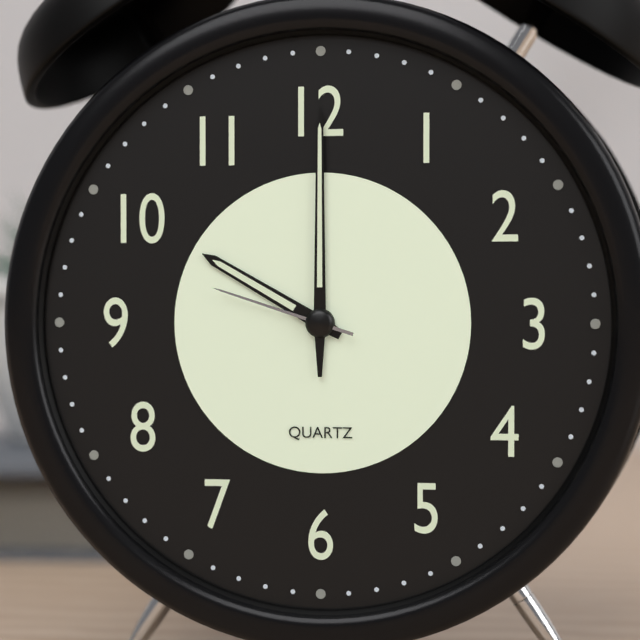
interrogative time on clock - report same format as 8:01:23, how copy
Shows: 10:00:48
